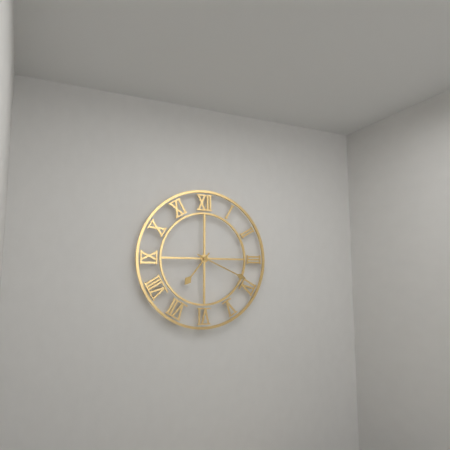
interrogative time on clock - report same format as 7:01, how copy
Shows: 7:19
